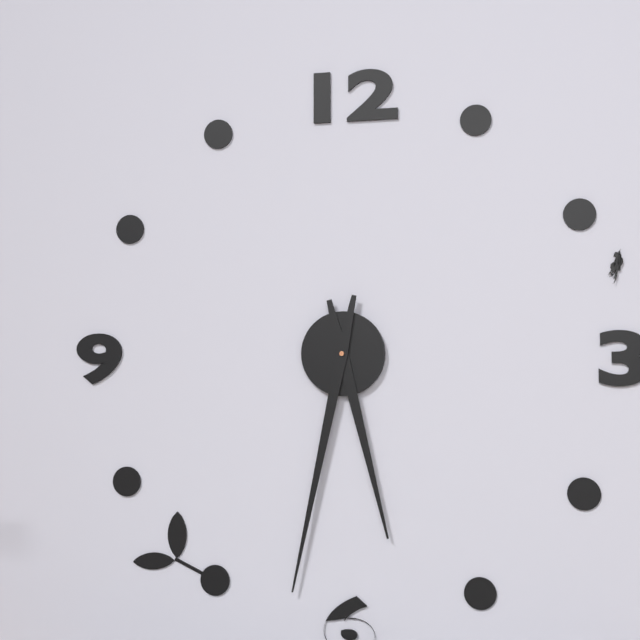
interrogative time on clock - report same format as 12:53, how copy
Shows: 5:32
